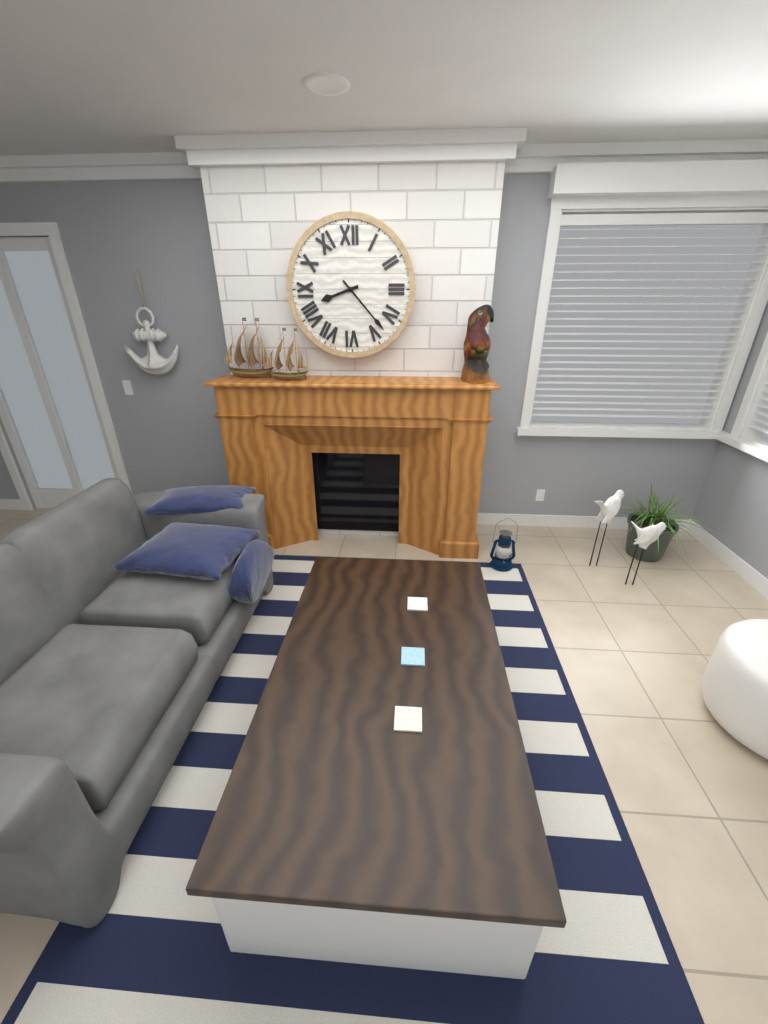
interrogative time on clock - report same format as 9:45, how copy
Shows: 8:23
